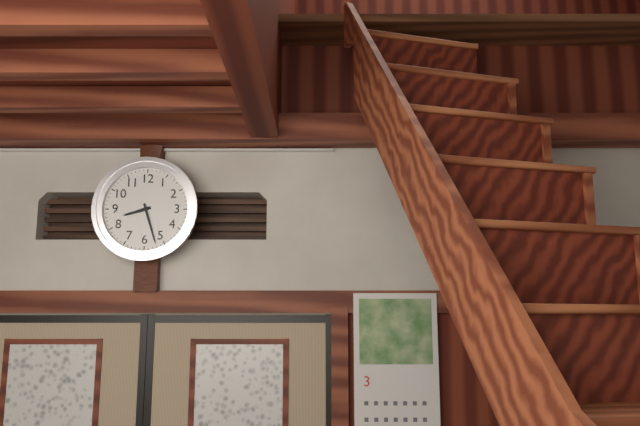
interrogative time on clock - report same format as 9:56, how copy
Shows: 8:27
